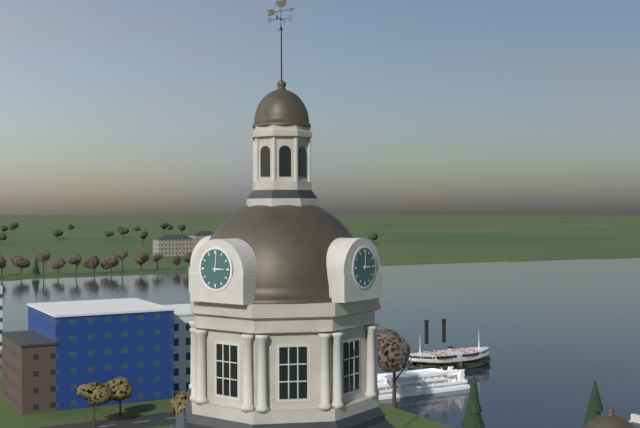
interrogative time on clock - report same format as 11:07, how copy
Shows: 3:01
